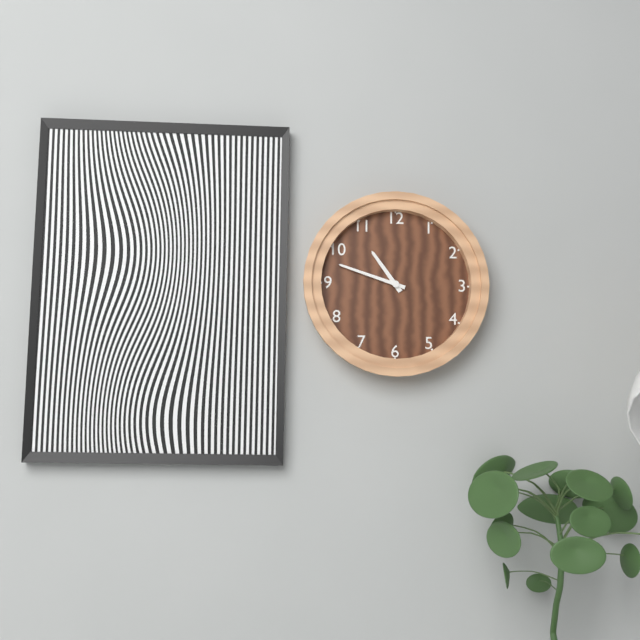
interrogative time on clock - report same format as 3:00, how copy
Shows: 10:48
